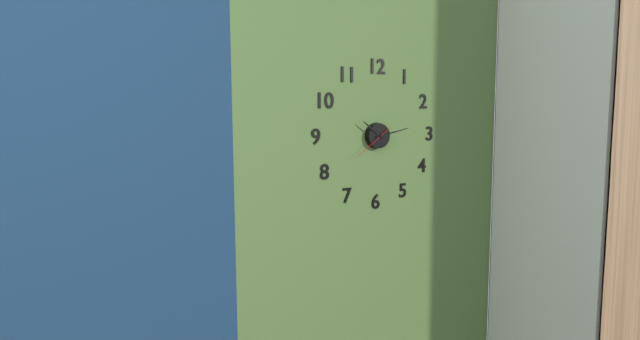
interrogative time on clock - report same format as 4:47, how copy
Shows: 10:13
